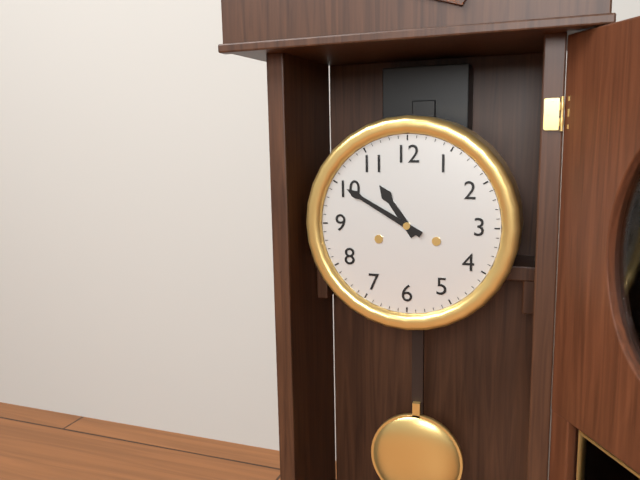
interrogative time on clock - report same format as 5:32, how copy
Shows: 10:50
